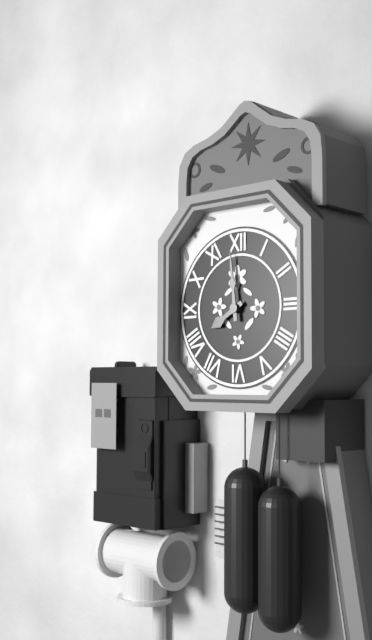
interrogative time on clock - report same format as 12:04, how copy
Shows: 7:59
